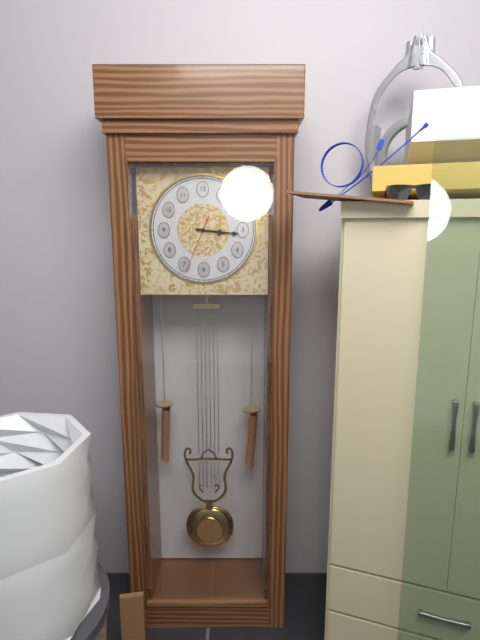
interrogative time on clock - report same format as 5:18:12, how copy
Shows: 3:16:34
